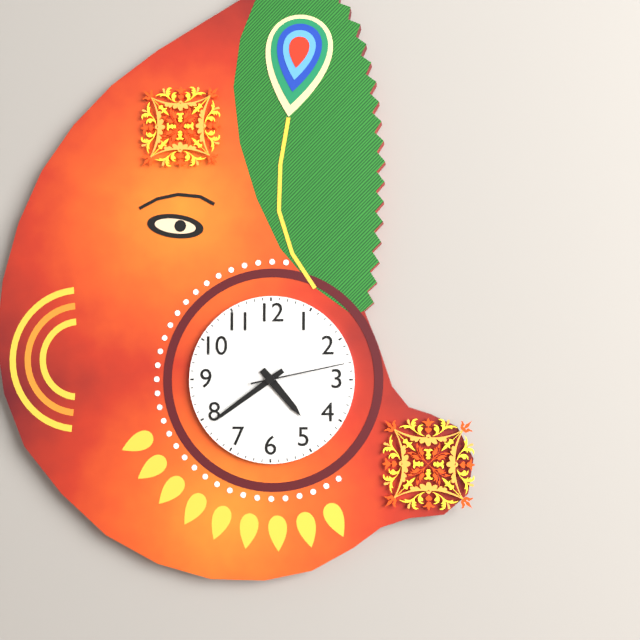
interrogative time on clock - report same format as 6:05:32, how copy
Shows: 4:39:13
